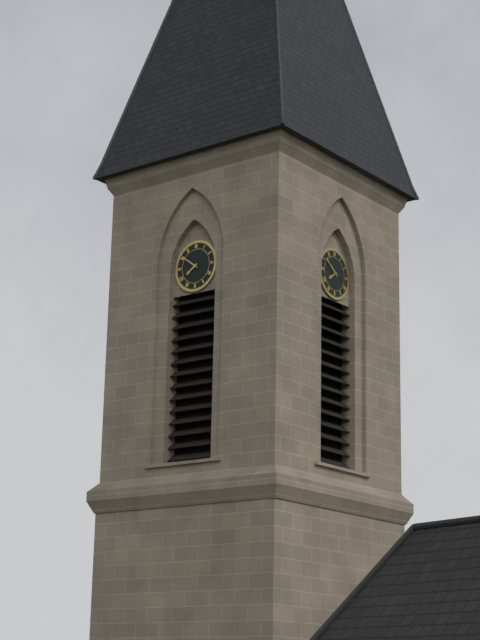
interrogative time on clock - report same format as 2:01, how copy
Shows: 7:51
